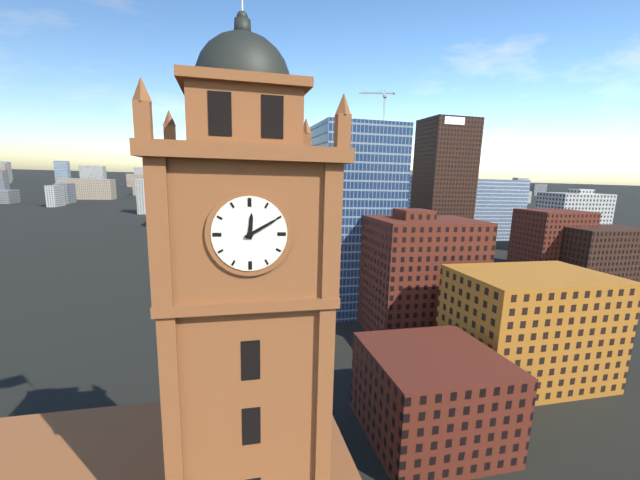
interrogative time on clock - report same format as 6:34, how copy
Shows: 12:10
